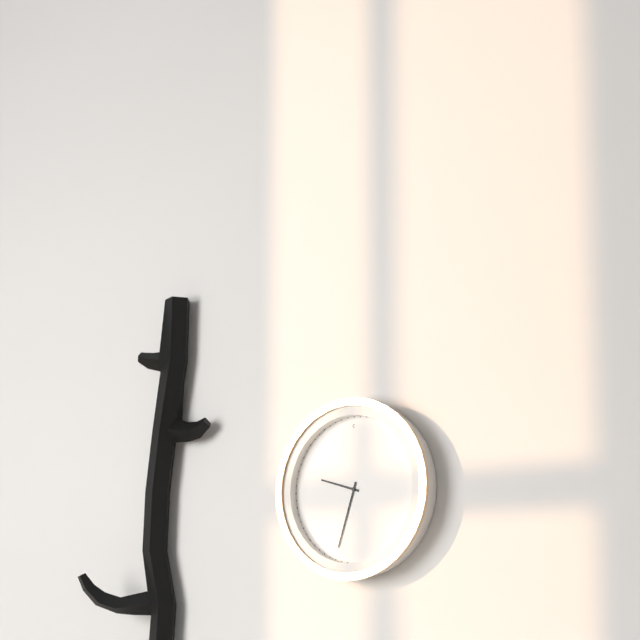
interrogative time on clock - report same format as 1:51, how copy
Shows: 9:33
